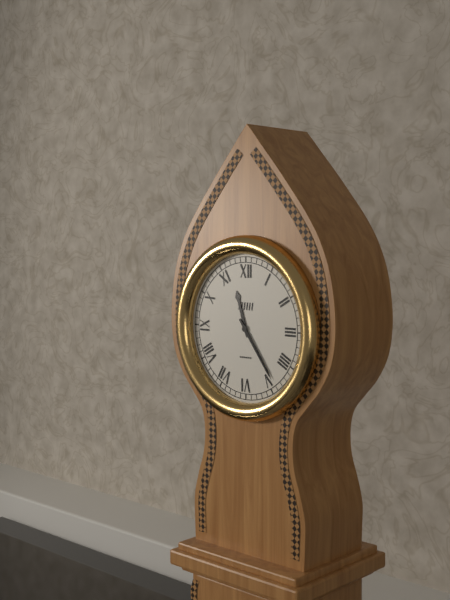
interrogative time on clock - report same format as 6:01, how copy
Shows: 11:24
